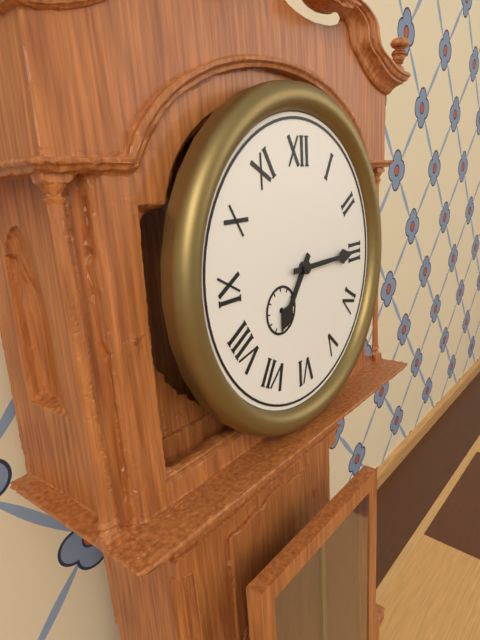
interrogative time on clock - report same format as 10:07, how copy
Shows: 7:15
